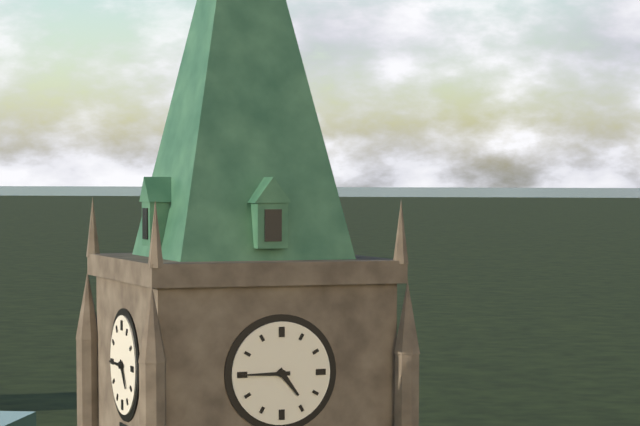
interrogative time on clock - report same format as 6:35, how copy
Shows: 4:45
